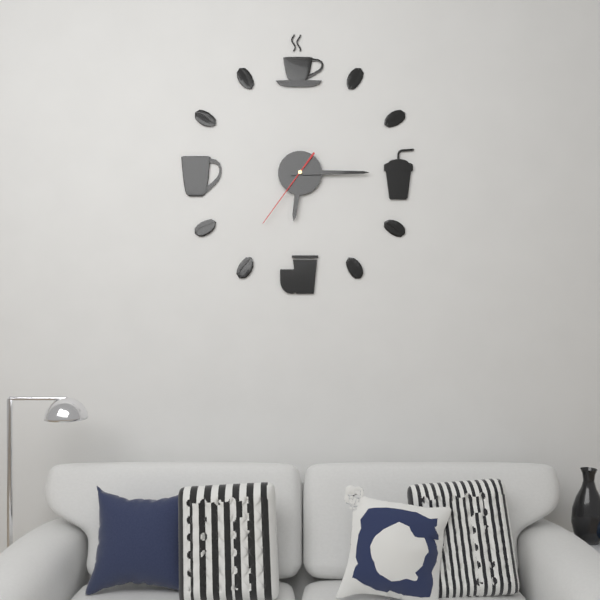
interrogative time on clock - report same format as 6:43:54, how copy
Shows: 6:15:36
